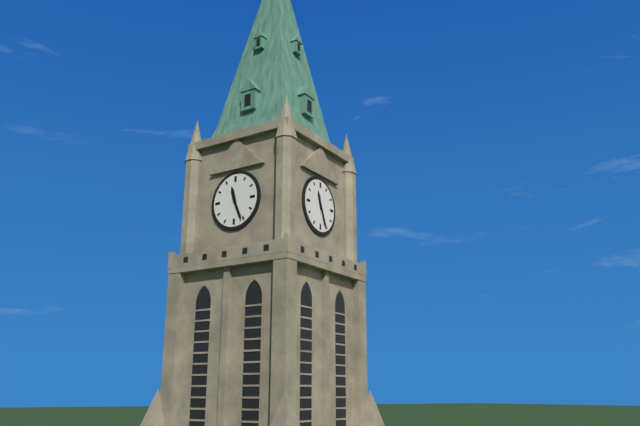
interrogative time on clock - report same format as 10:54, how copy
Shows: 11:26
